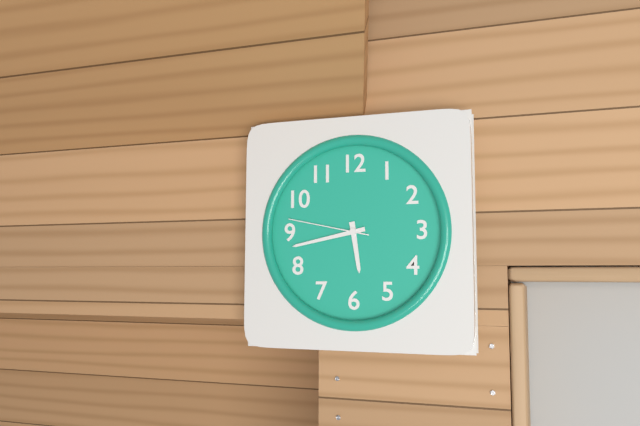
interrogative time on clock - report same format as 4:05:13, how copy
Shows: 5:43:47
